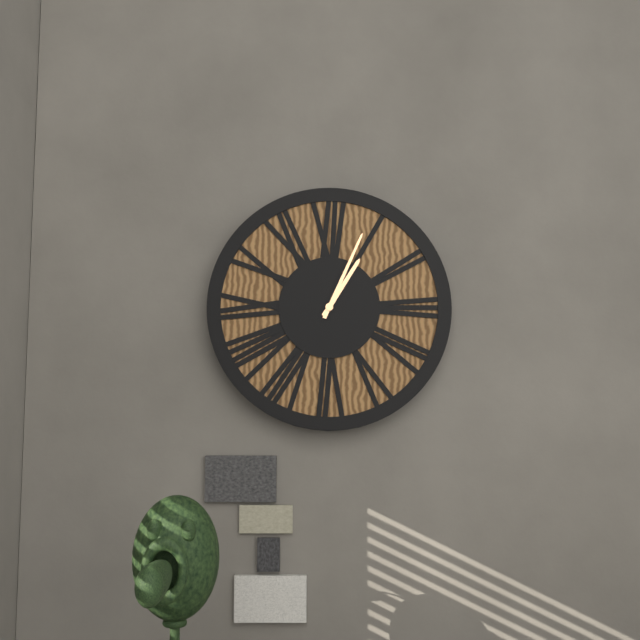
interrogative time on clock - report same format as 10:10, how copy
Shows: 1:04
